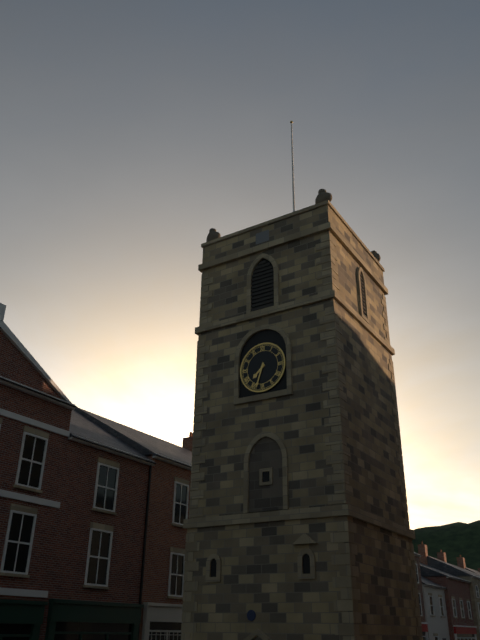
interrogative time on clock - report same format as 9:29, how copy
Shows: 7:33
